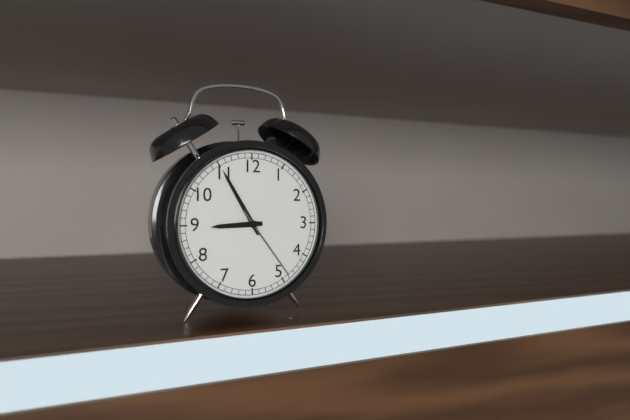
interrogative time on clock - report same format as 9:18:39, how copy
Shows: 8:55:24
